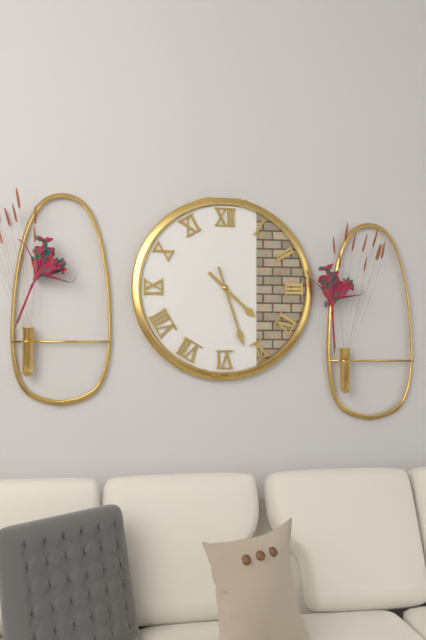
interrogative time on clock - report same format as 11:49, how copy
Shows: 4:27
